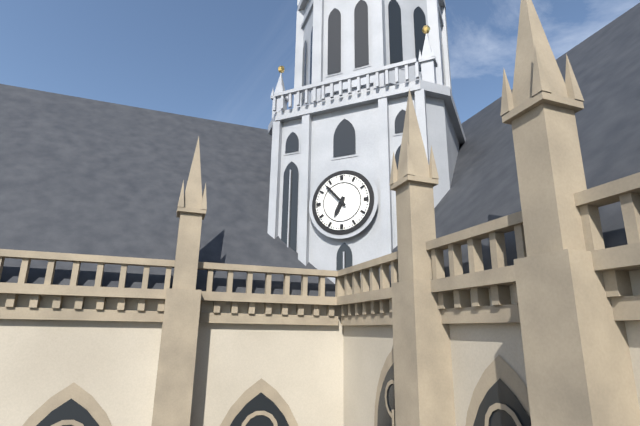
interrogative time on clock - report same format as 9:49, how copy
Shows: 6:53
